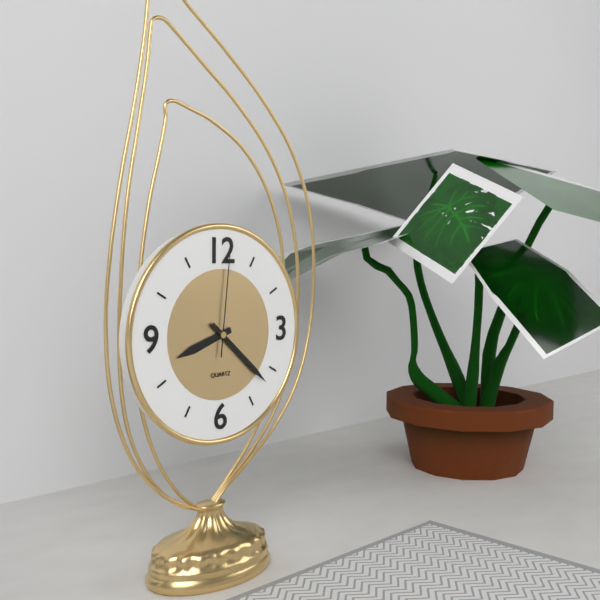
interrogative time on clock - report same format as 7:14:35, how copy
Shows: 8:22:01
